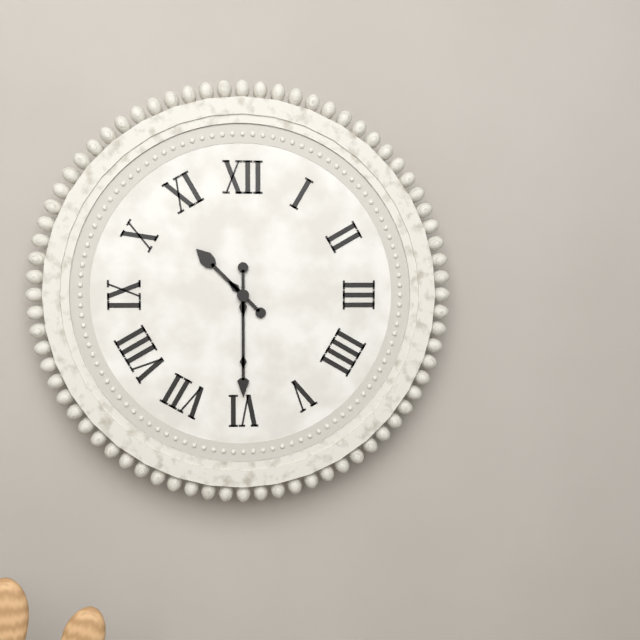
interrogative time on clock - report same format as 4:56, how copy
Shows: 10:30
